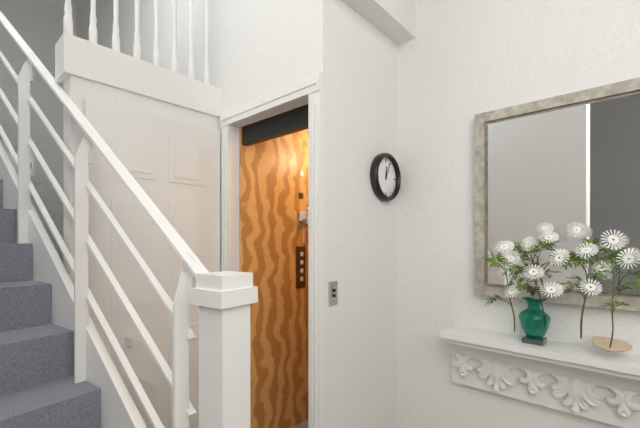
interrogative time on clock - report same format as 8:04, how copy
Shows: 12:04
